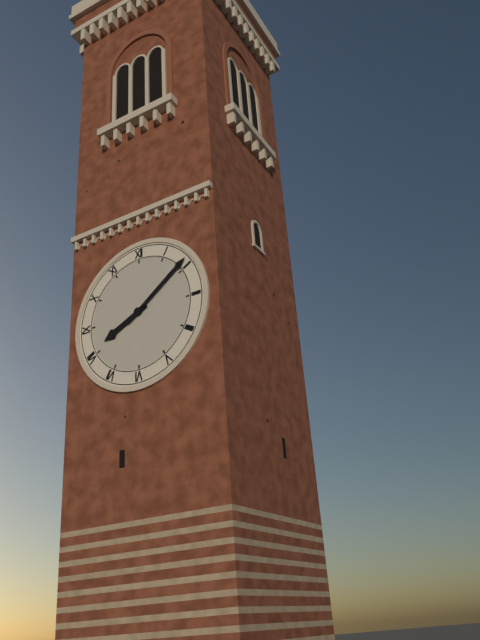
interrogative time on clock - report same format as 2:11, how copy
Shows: 8:09
